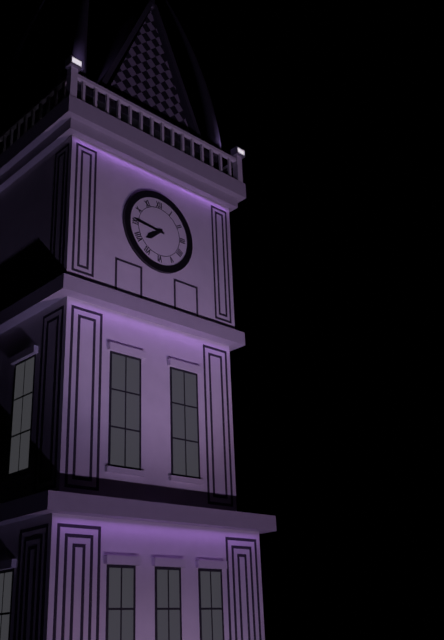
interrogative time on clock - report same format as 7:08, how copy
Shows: 7:46
